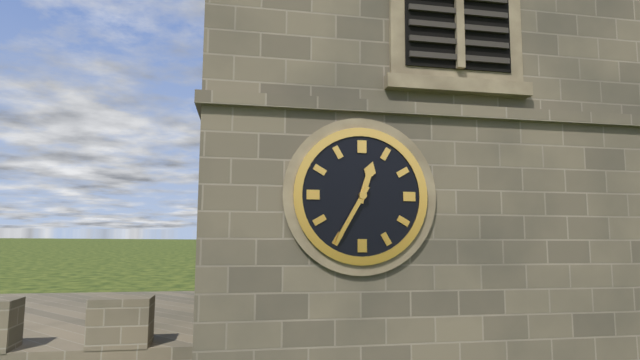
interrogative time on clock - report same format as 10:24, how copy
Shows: 12:35
